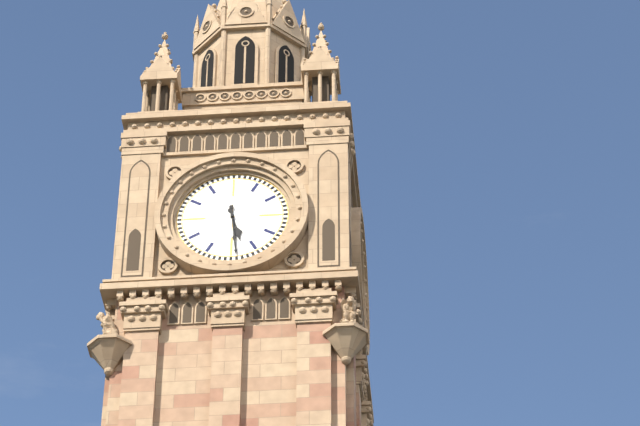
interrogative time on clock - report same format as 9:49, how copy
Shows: 5:29
